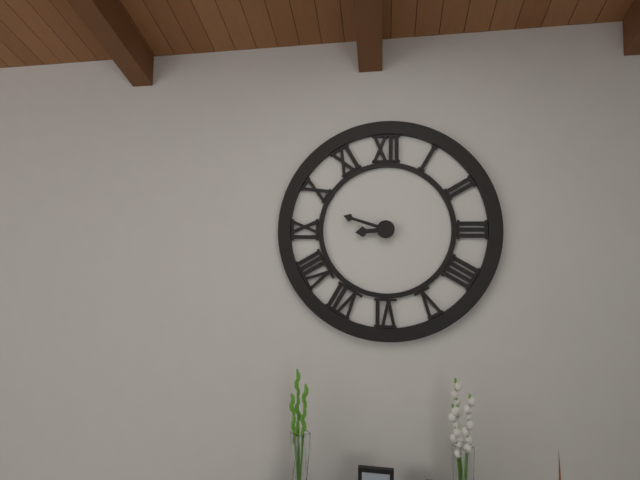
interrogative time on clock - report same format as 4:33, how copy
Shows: 8:48
